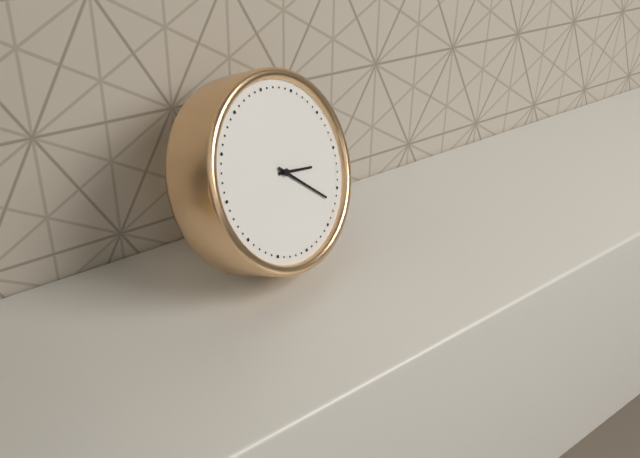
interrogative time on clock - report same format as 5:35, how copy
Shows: 3:22
